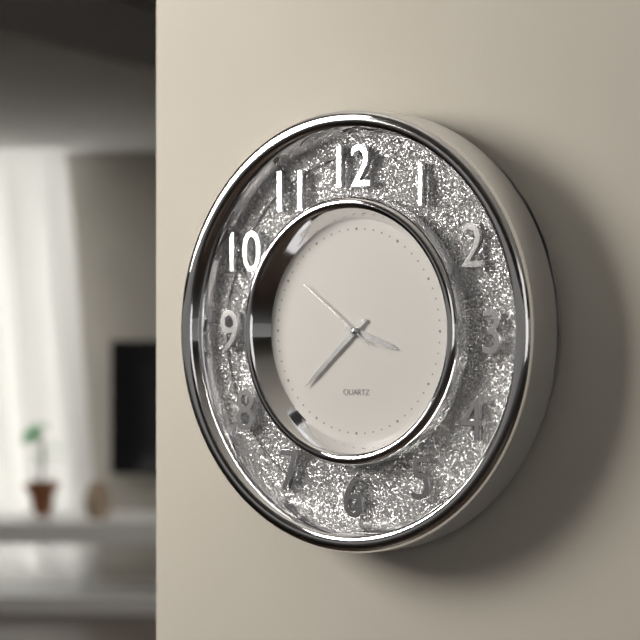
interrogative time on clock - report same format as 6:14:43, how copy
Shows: 3:38:51
